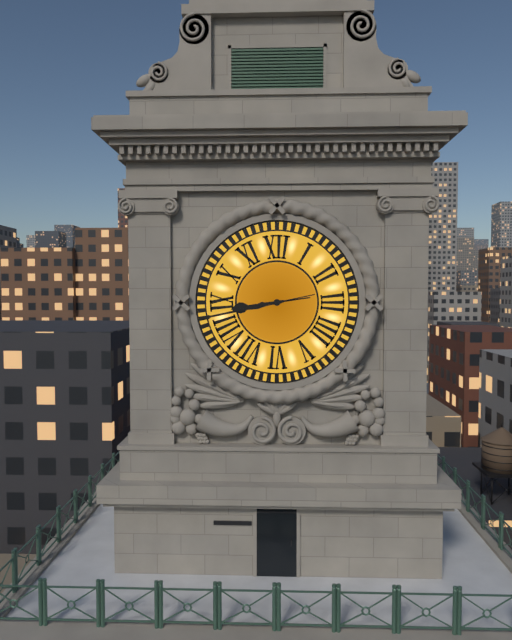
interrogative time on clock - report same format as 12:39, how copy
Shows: 8:43
